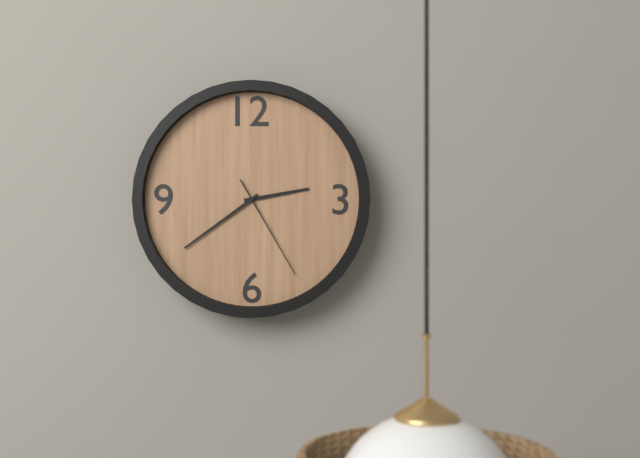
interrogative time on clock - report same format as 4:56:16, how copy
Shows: 2:39:25
